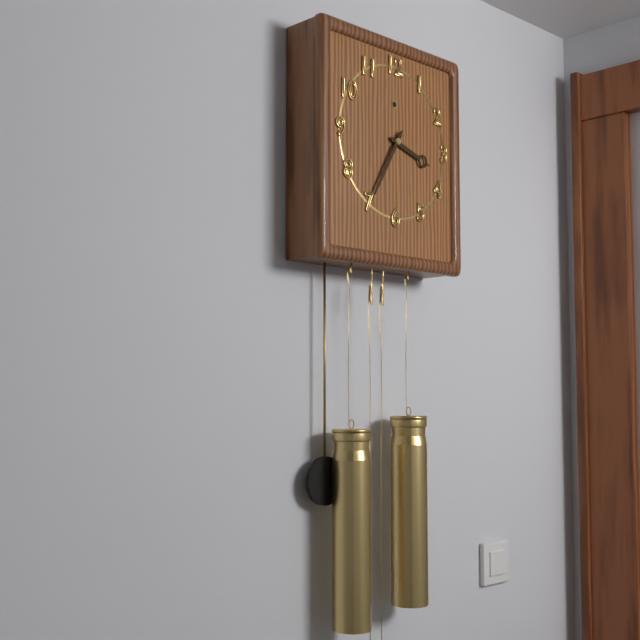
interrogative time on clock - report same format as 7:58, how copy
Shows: 3:35
